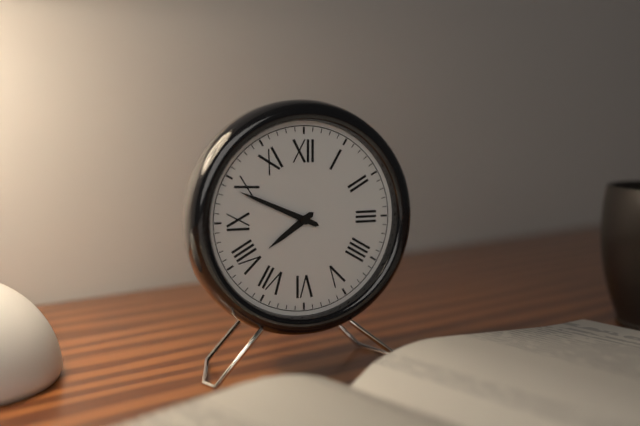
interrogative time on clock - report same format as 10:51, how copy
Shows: 7:49
